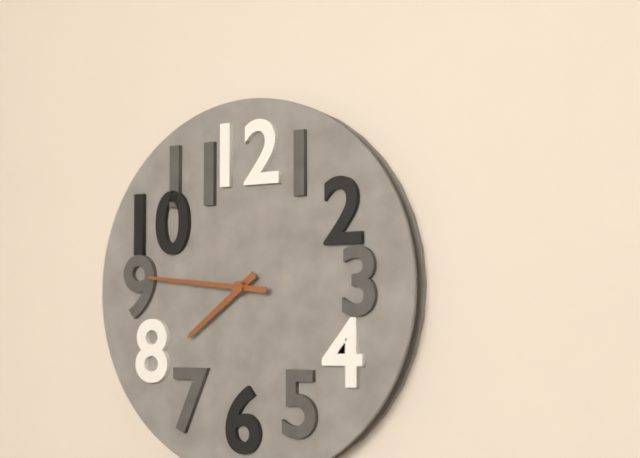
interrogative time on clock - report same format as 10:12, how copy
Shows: 7:46
